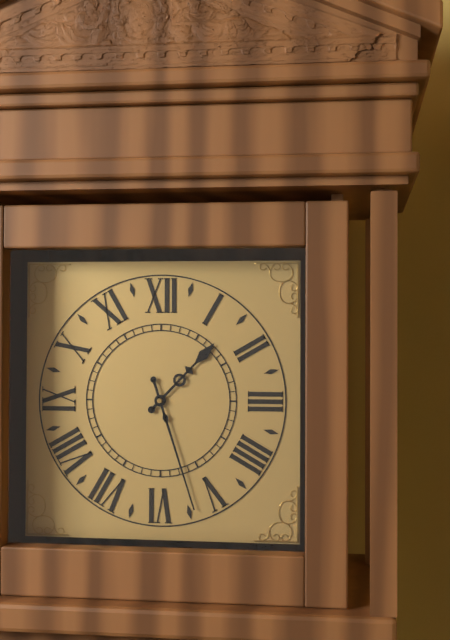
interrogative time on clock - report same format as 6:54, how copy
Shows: 1:27
